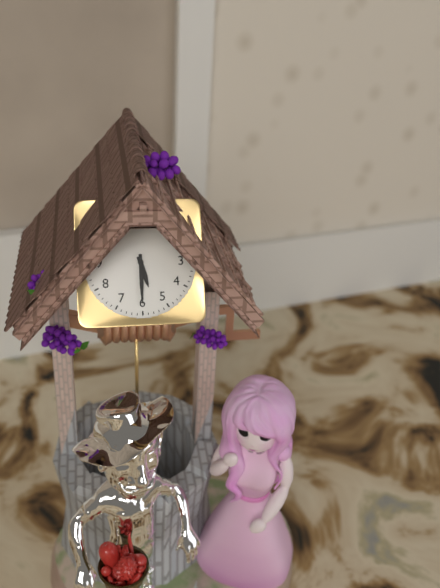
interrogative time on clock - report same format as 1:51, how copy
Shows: 5:30
